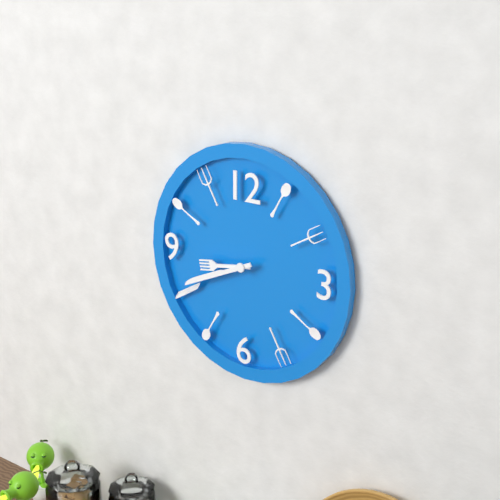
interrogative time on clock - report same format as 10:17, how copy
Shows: 8:41
